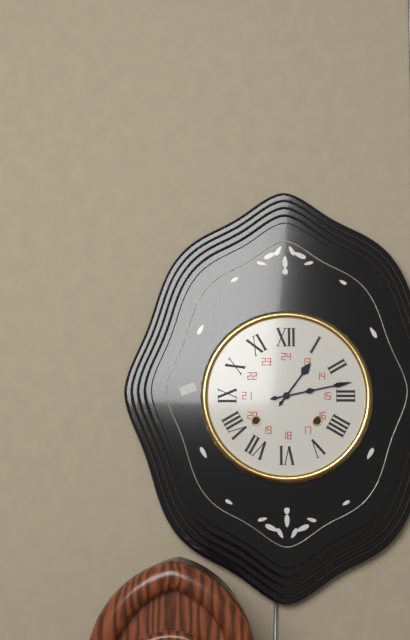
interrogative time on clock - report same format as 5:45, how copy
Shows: 1:13
